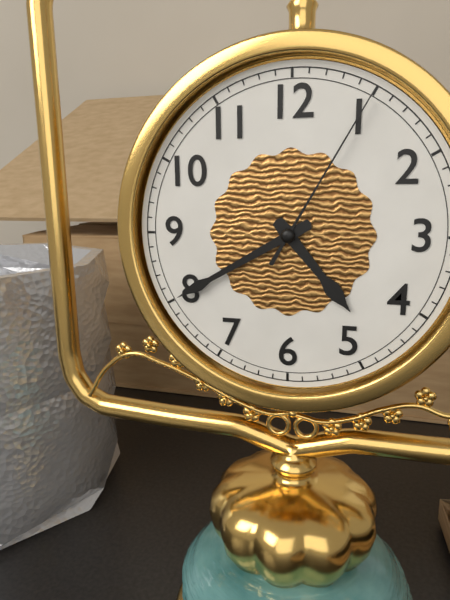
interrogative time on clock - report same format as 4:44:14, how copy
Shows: 4:40:05
